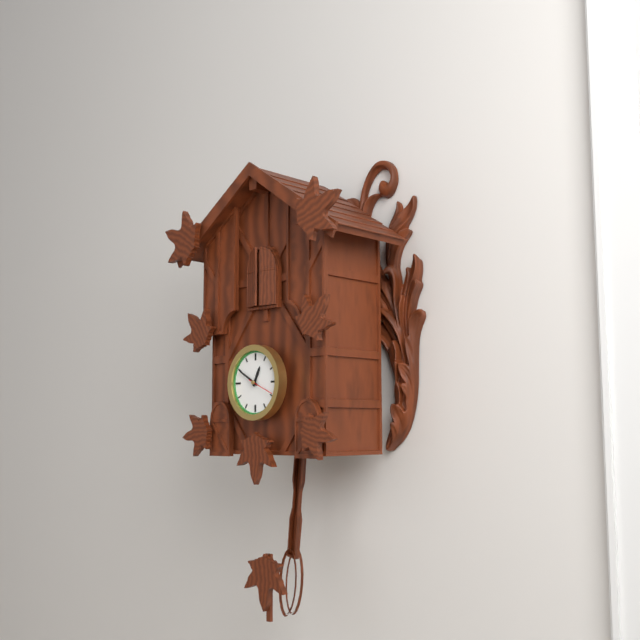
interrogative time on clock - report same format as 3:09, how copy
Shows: 12:50
